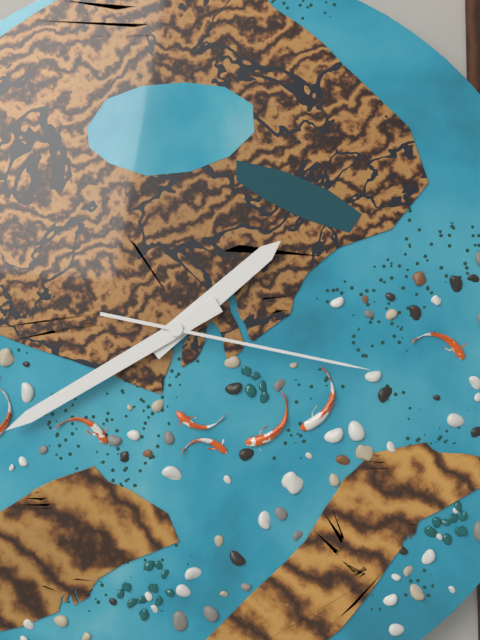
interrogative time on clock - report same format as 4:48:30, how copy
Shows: 1:40:17
